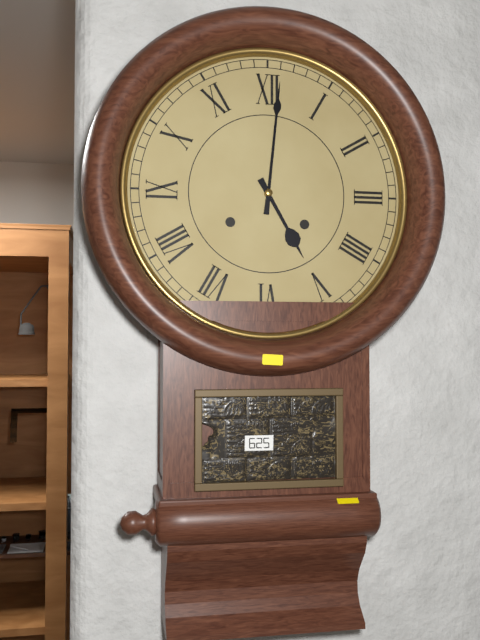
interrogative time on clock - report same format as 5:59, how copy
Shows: 5:01
